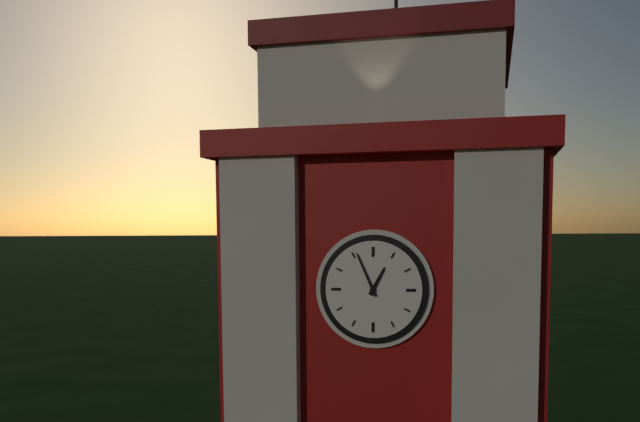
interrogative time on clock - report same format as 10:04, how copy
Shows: 12:56
